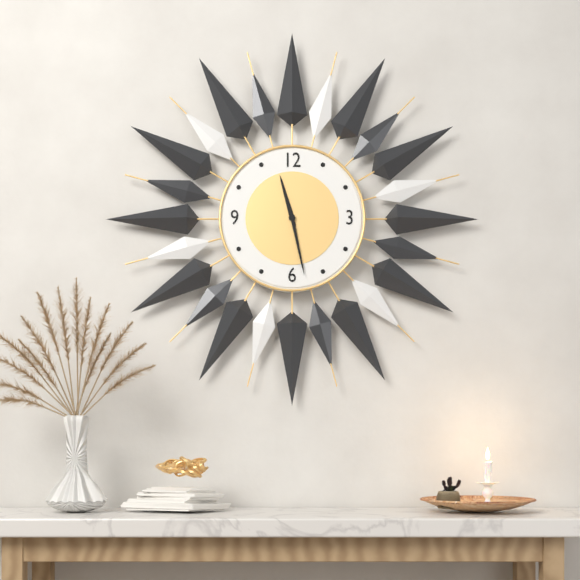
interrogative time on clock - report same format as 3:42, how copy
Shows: 11:28
